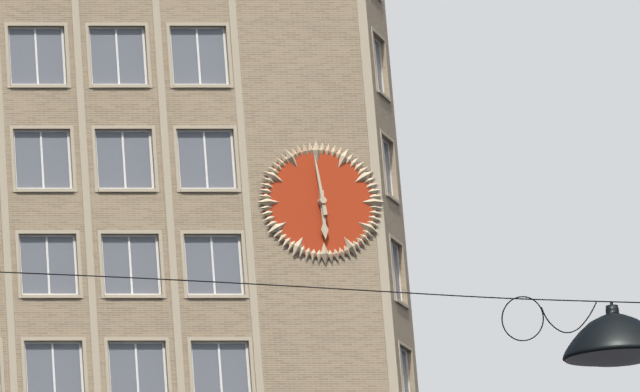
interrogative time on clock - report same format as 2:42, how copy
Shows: 5:59
